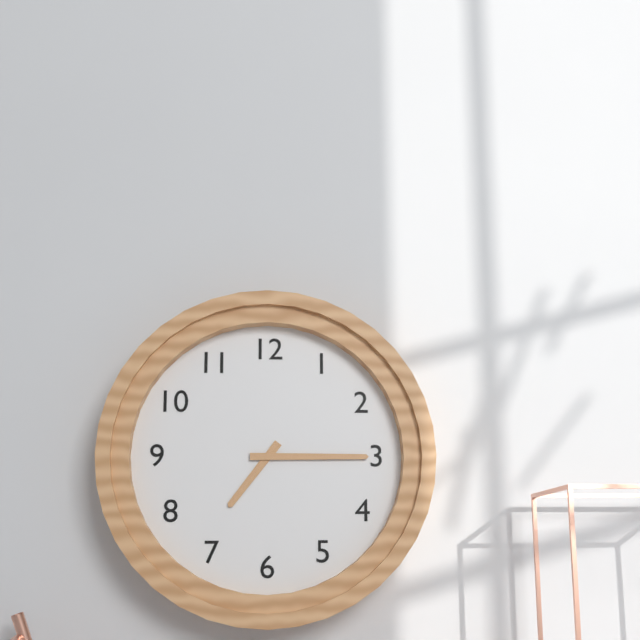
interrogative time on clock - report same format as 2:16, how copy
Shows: 7:15
